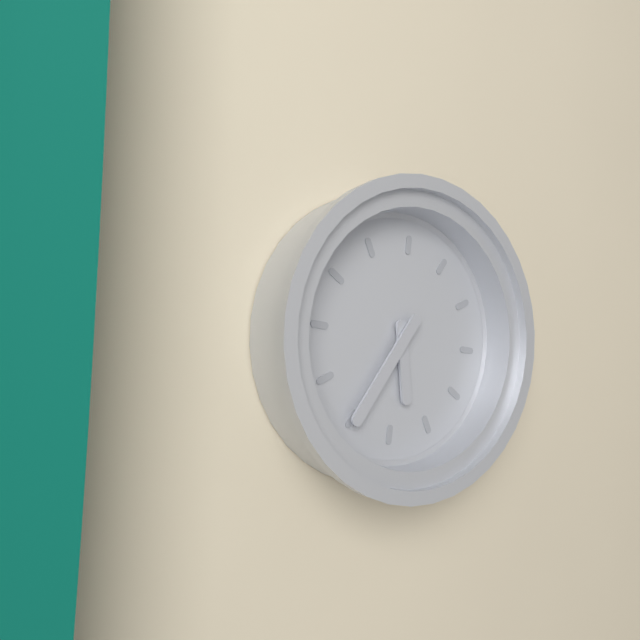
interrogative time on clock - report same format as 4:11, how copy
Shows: 5:35
